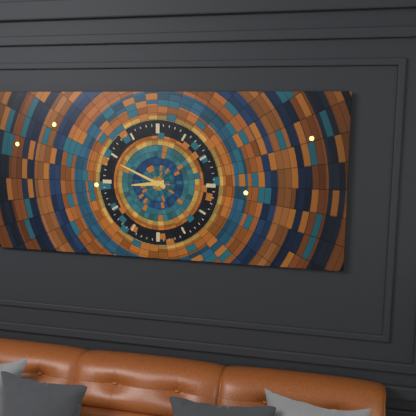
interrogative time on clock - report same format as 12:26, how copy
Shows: 8:49
